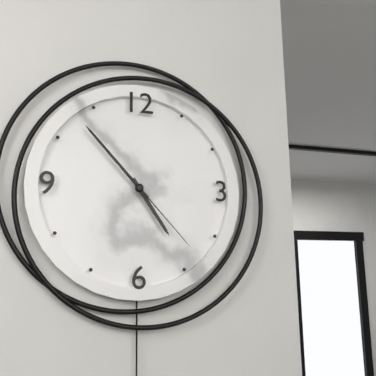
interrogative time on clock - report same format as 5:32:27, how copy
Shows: 4:53:23
